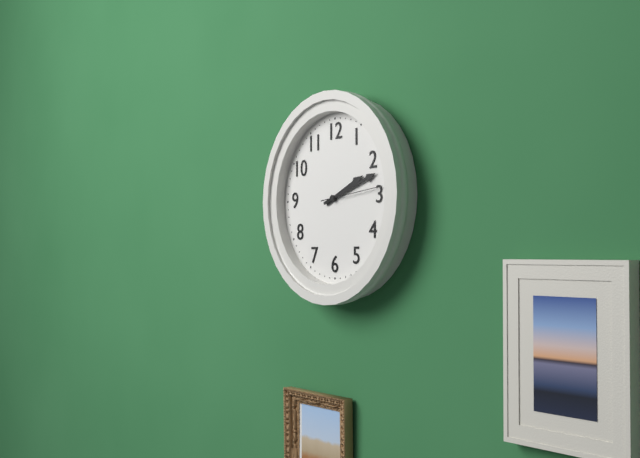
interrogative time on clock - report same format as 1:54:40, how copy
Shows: 2:12:14
